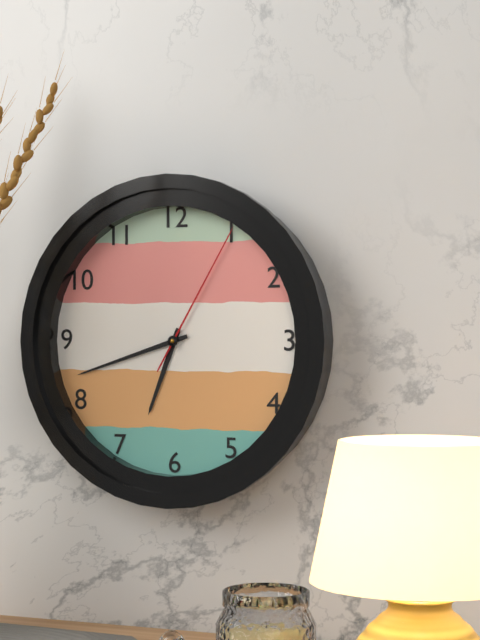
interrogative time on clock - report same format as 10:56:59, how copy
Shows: 6:42:05
